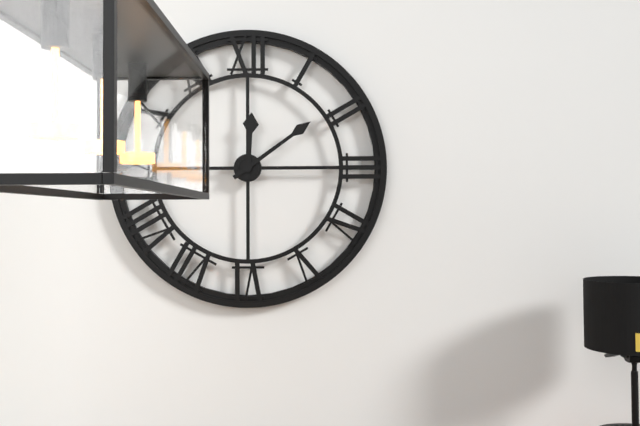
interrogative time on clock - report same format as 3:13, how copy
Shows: 12:09
